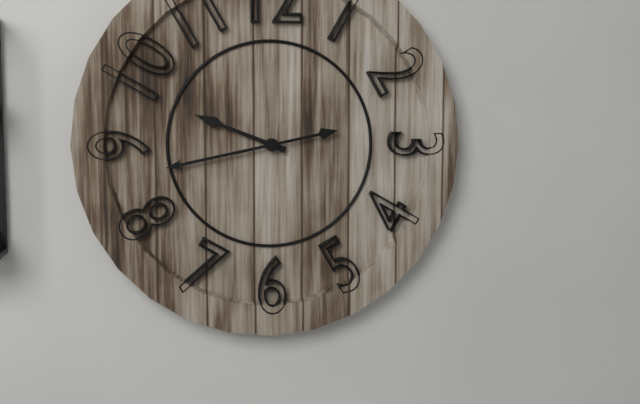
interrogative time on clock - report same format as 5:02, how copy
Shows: 9:43
